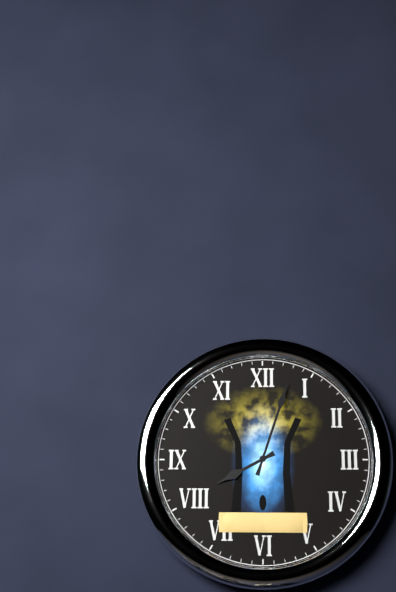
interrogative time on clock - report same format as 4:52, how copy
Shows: 8:03
